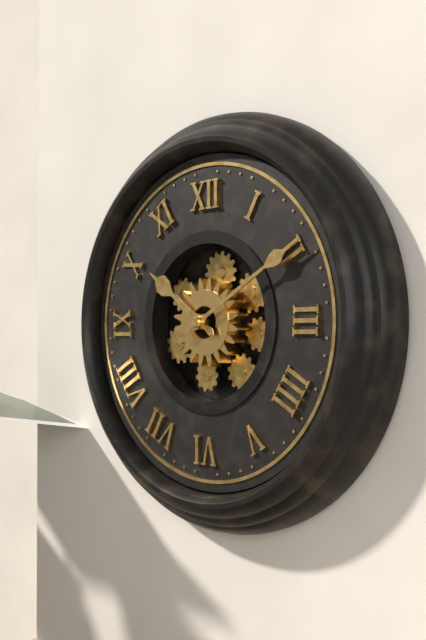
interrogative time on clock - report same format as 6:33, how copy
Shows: 10:10
